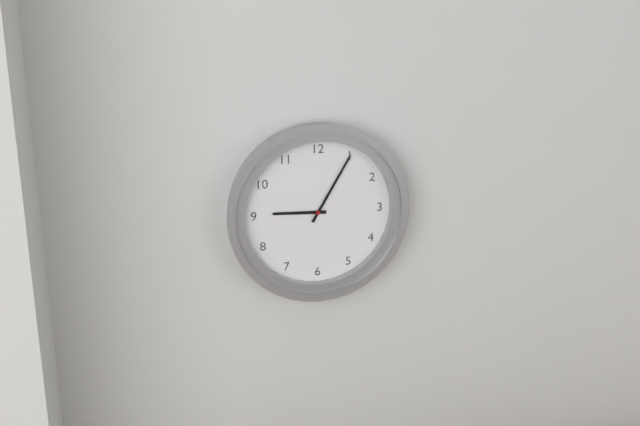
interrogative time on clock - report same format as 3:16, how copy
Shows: 9:05
